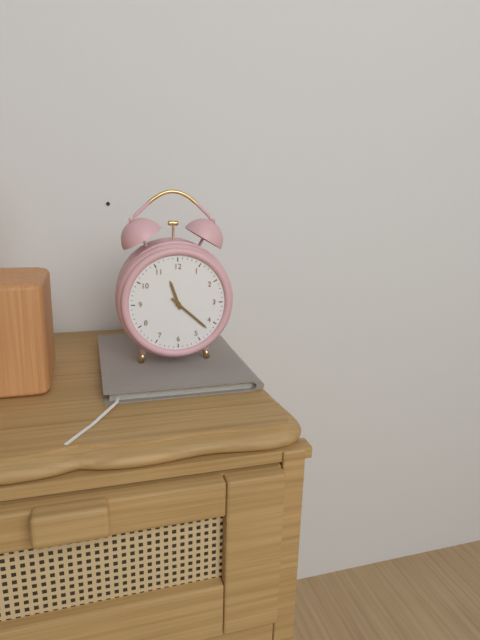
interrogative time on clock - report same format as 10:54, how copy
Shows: 11:22
